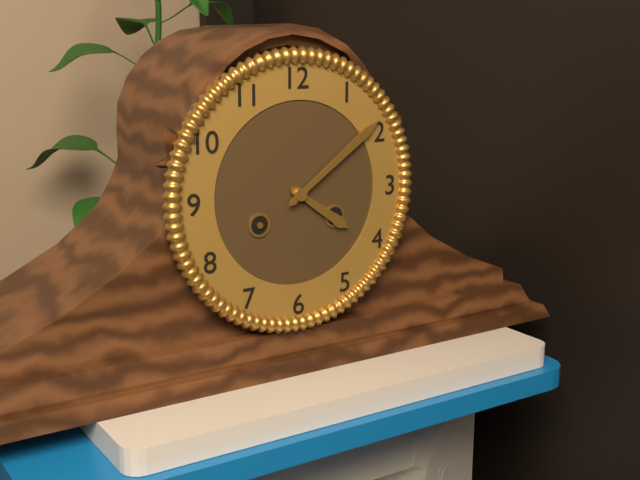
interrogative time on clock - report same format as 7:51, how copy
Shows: 4:09
